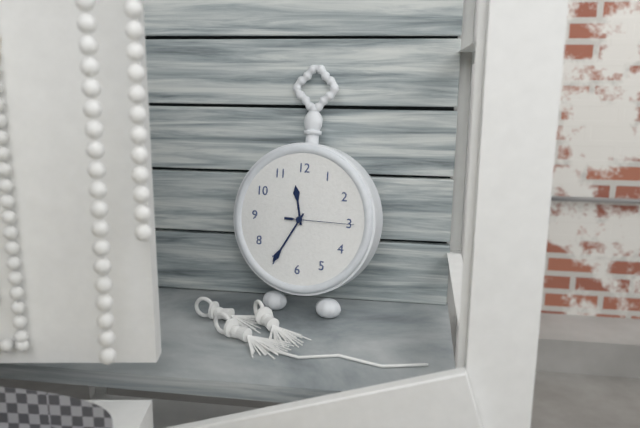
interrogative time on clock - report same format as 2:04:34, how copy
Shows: 11:35:15
